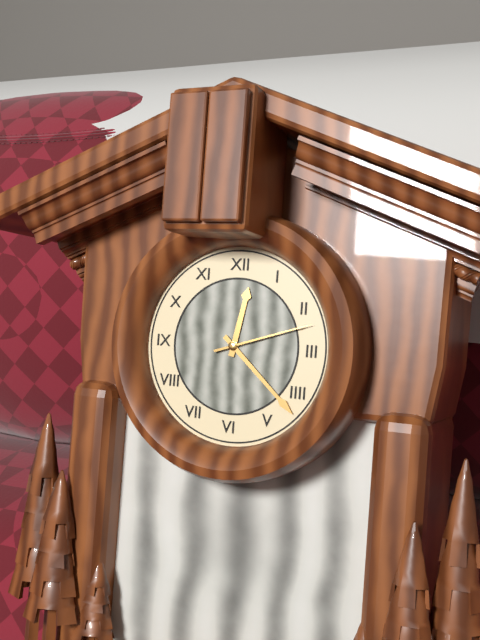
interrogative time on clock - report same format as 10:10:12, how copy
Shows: 12:22:12
